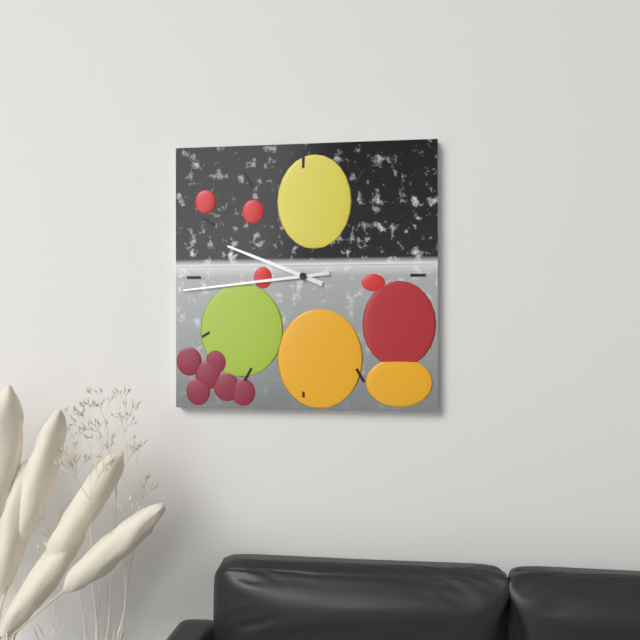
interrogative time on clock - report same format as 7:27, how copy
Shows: 9:44
